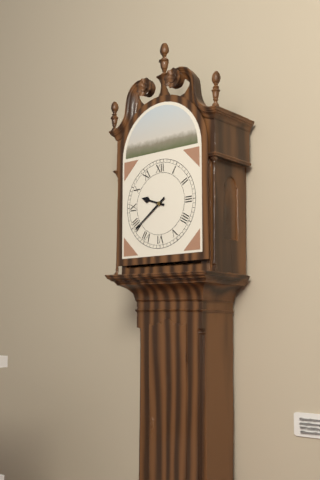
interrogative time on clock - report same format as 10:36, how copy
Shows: 9:39
